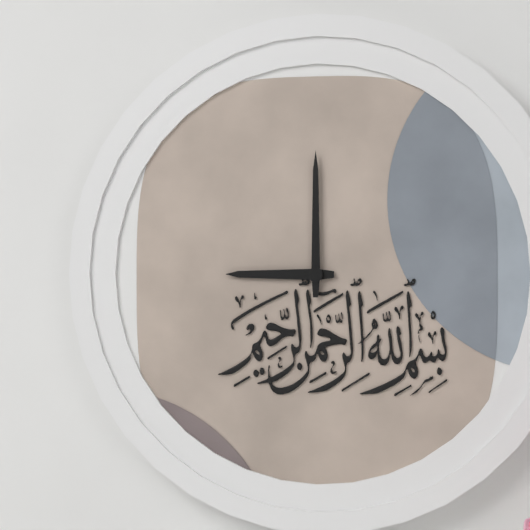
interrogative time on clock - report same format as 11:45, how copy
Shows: 9:00
